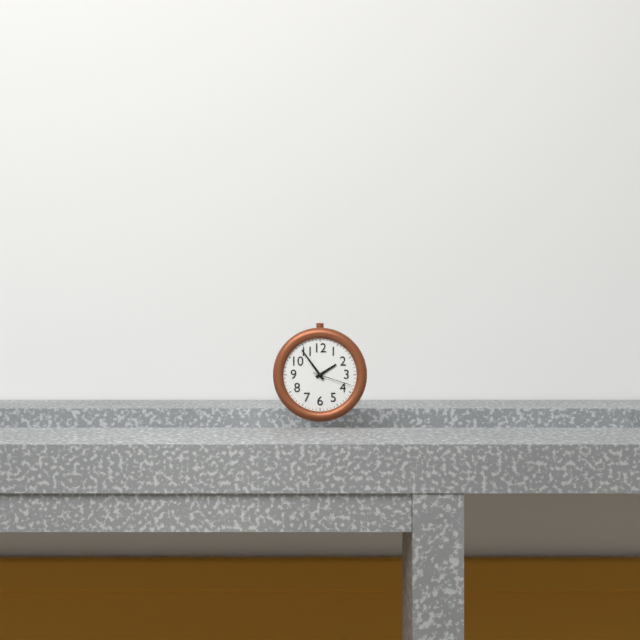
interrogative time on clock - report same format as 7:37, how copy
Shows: 1:54
